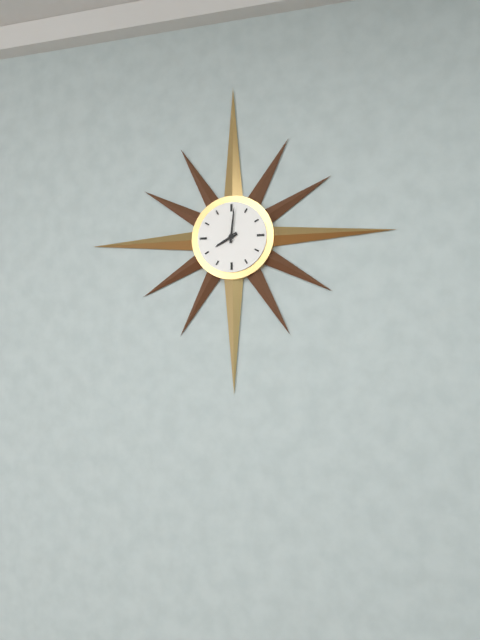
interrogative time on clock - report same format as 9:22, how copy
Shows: 8:01
